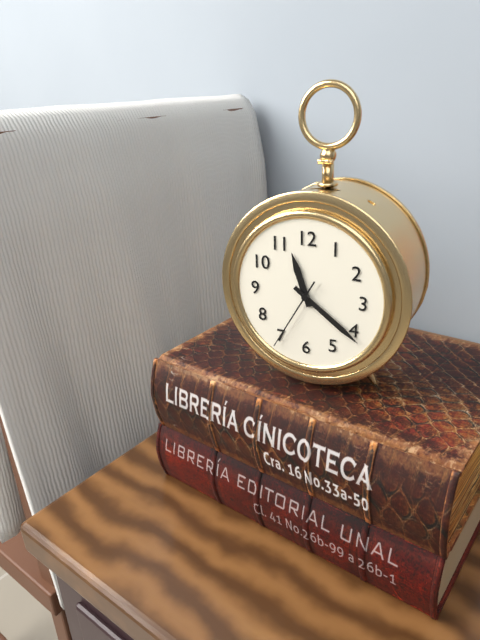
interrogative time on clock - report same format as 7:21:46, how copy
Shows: 11:21:35
